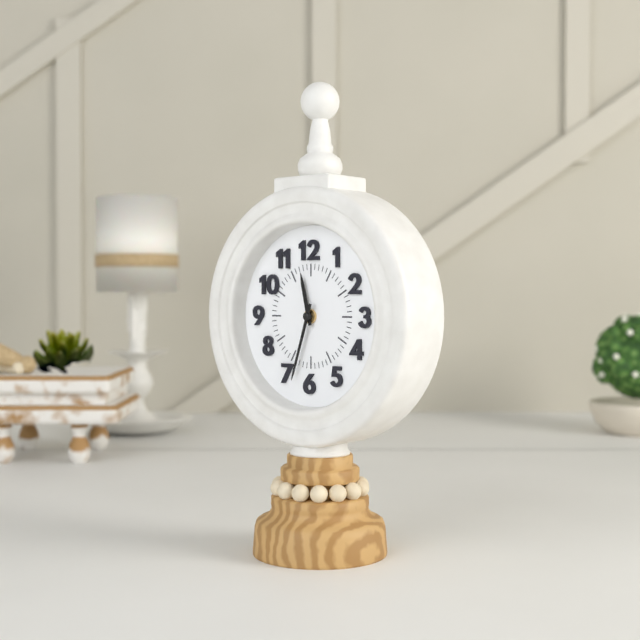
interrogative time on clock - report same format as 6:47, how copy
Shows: 11:33
